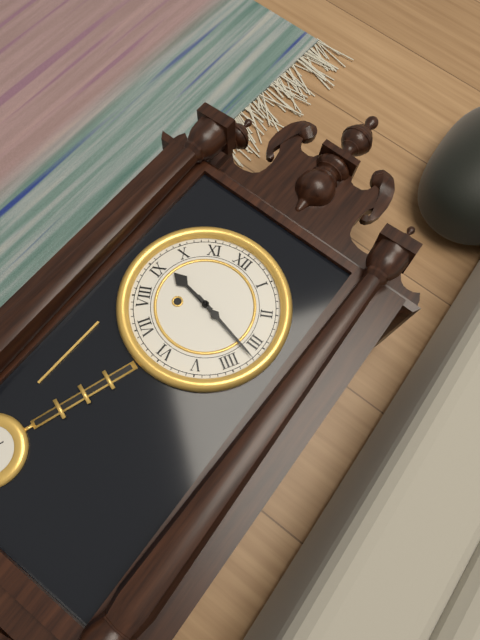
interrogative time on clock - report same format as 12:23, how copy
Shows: 9:17
